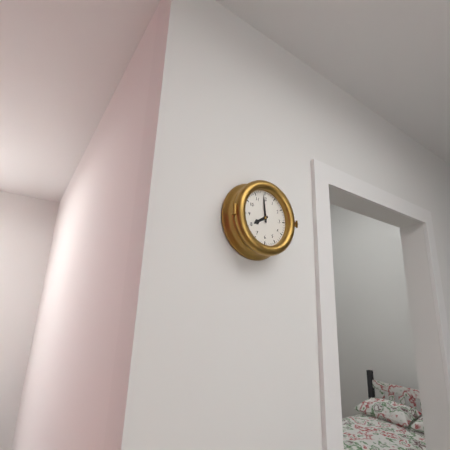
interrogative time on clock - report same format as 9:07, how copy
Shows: 7:59
